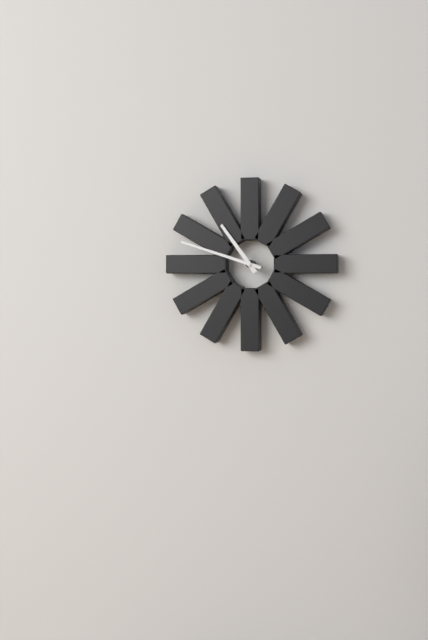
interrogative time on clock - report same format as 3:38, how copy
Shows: 10:48
